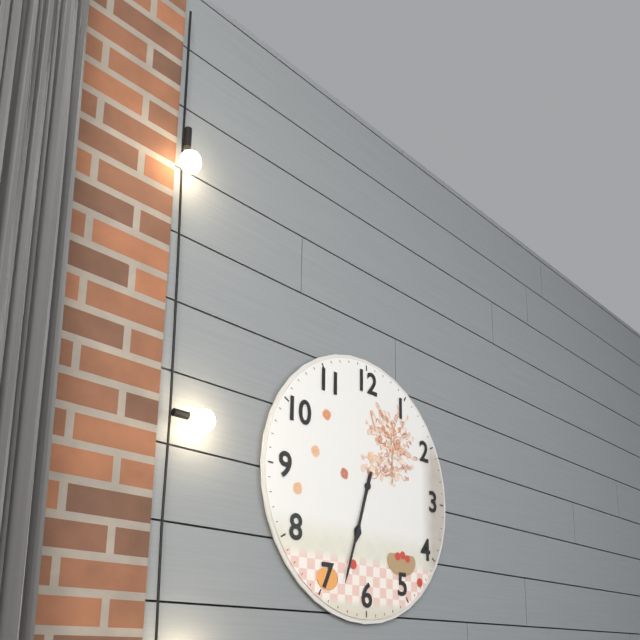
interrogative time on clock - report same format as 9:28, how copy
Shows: 6:33
